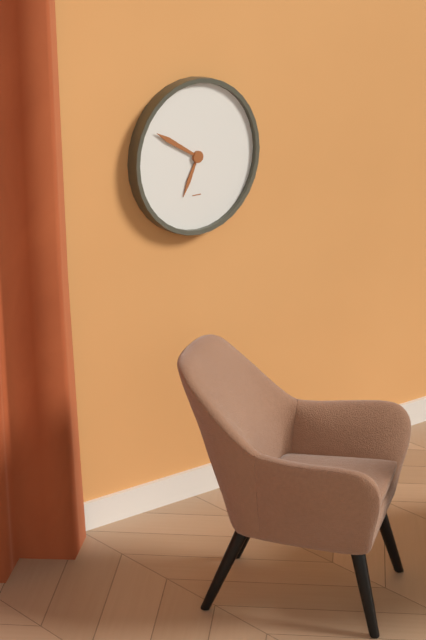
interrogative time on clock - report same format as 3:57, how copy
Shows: 6:50
